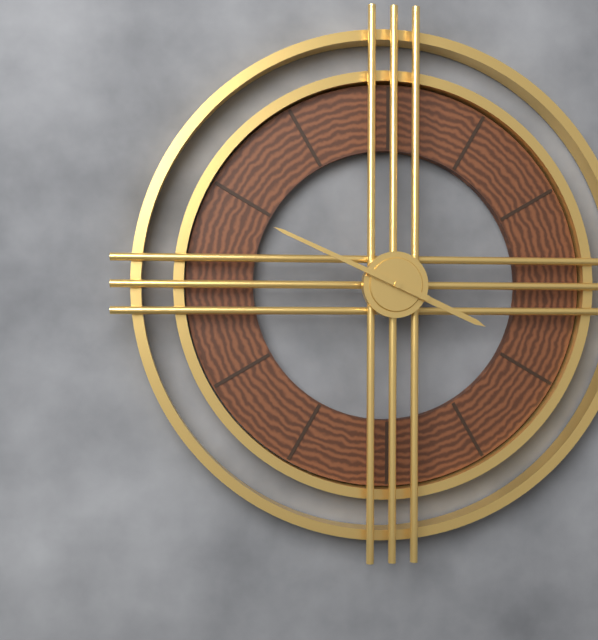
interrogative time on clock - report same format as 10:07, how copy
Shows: 3:49
